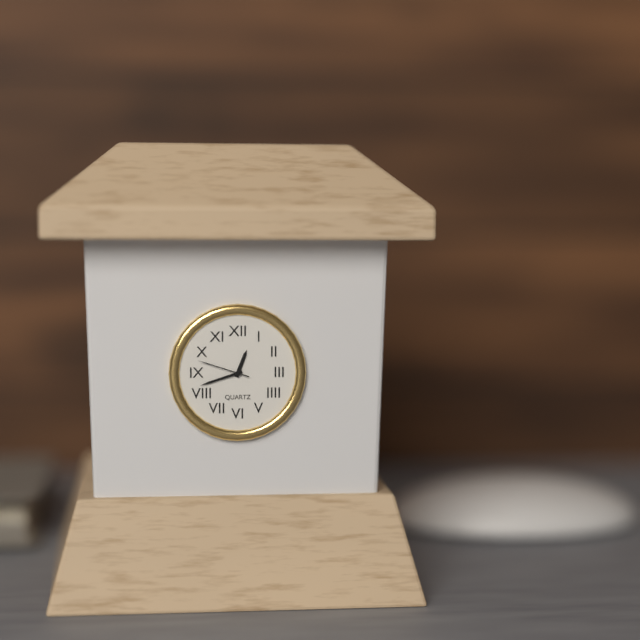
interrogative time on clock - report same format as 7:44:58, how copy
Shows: 12:42:48
